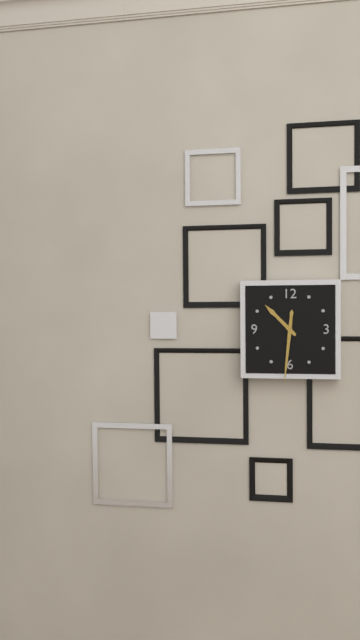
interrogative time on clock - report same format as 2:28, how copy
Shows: 10:31
